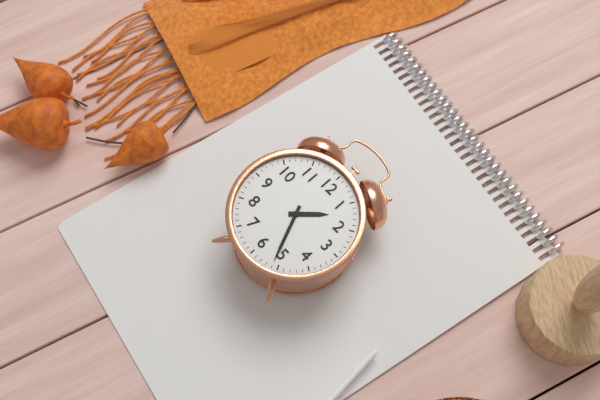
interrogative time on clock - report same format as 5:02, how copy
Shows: 1:26
